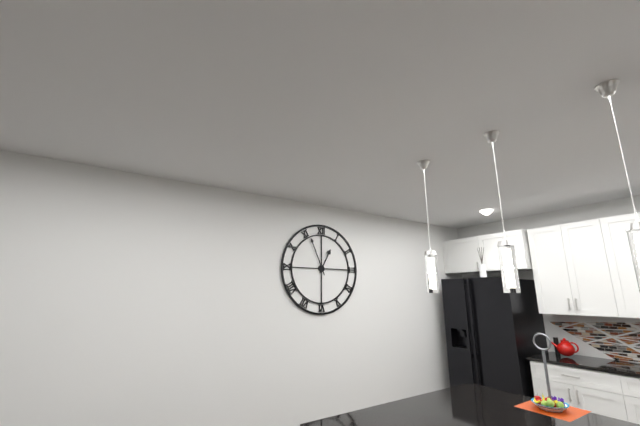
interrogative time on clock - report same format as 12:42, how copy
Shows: 12:56
